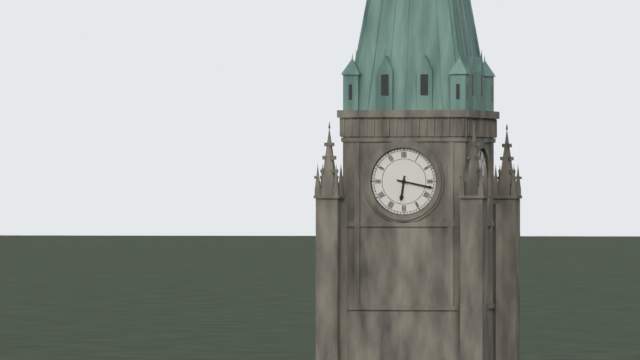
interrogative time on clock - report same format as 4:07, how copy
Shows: 6:17
